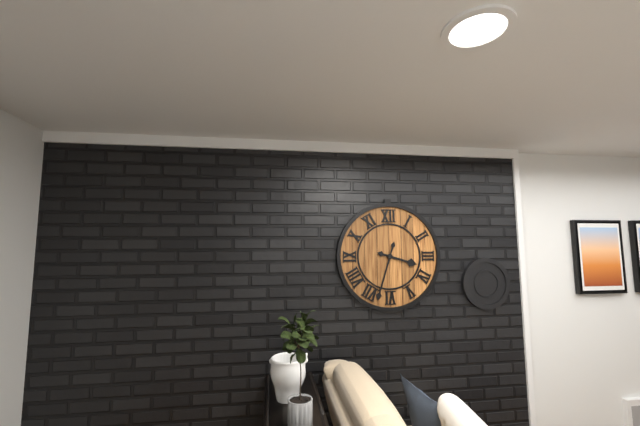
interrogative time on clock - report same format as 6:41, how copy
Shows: 3:33
